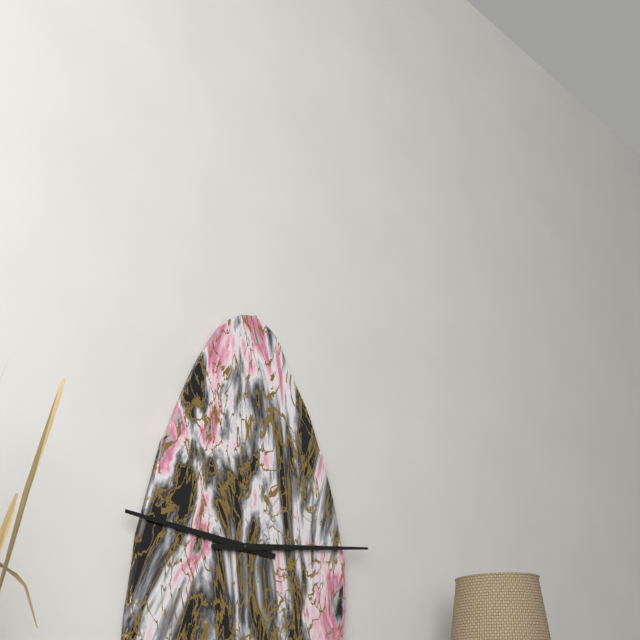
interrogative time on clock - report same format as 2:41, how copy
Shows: 9:14
